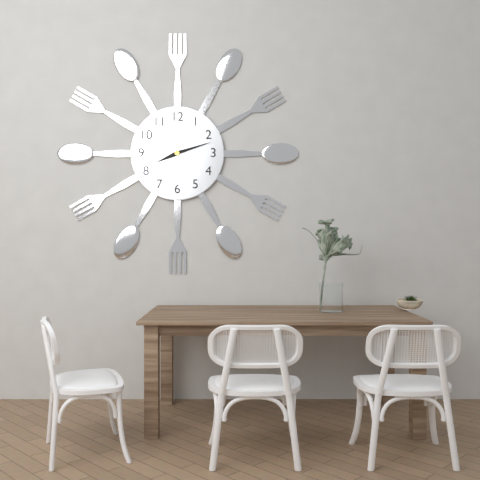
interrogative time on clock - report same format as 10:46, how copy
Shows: 8:12
